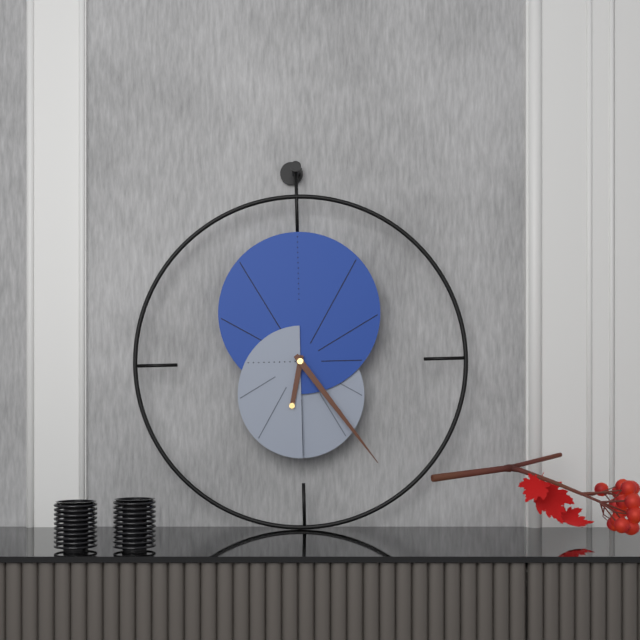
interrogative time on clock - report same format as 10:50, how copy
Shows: 6:24
